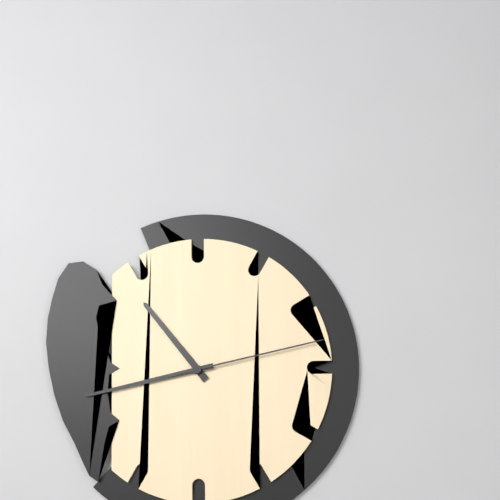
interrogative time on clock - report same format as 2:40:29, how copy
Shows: 10:43:13
